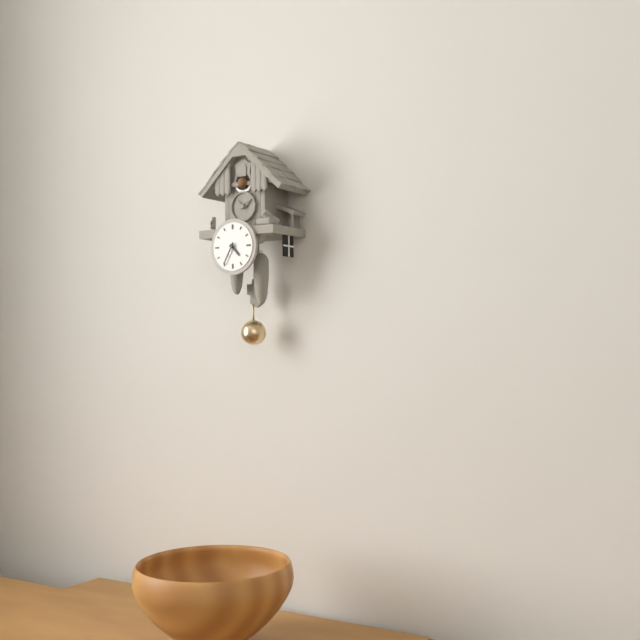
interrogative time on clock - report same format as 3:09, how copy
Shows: 4:35
